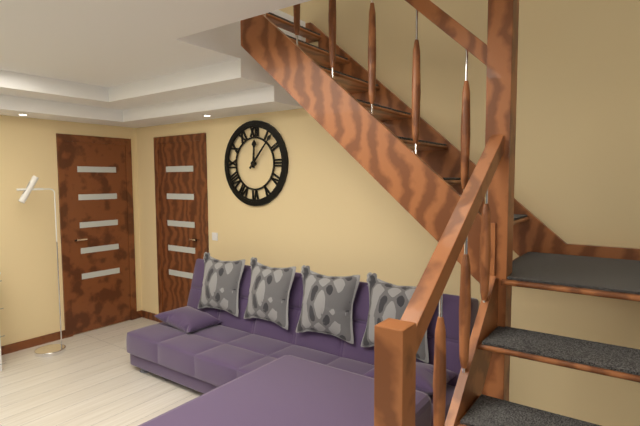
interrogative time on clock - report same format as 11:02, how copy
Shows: 12:07
